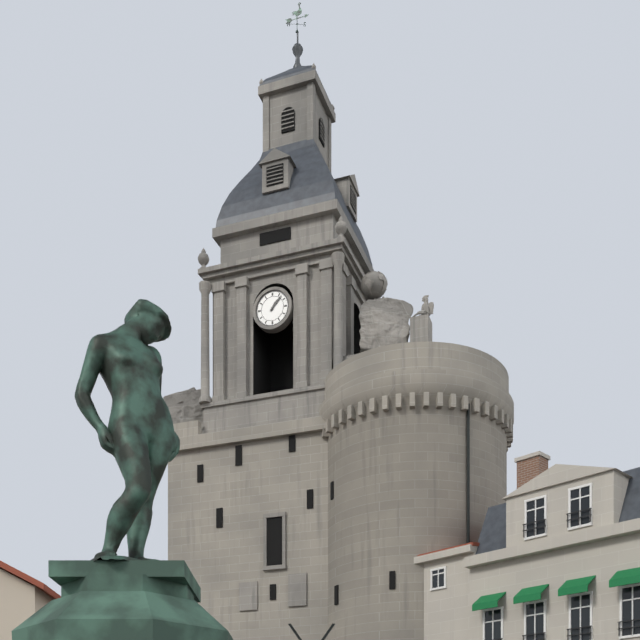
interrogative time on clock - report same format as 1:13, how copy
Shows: 1:07
